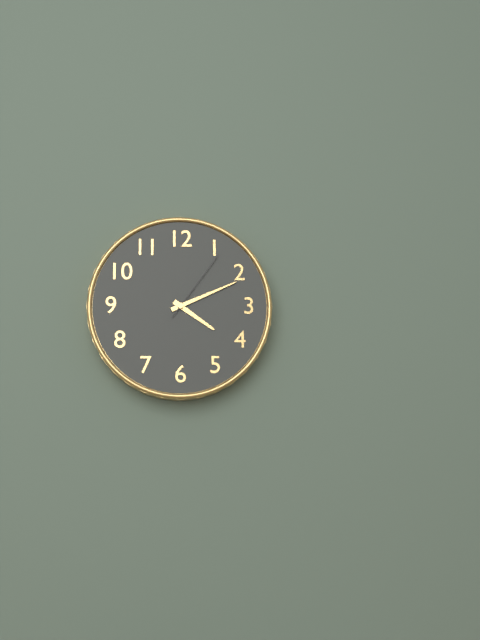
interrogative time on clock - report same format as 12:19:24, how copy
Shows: 4:11:06
